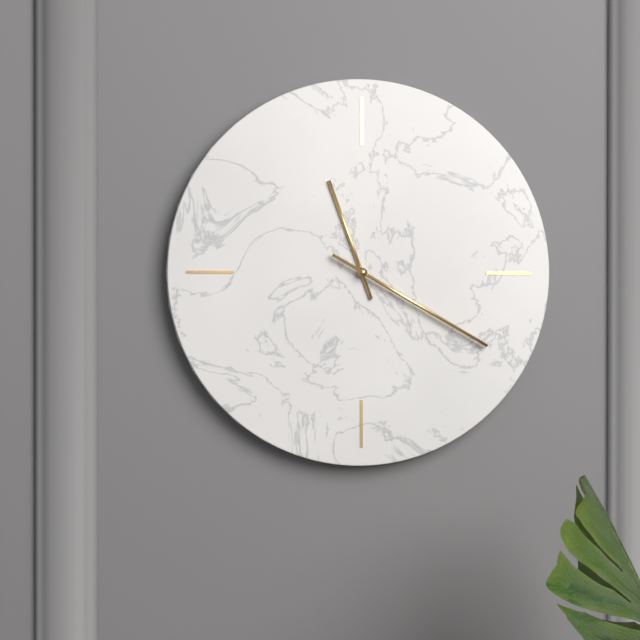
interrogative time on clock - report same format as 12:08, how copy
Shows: 11:20
